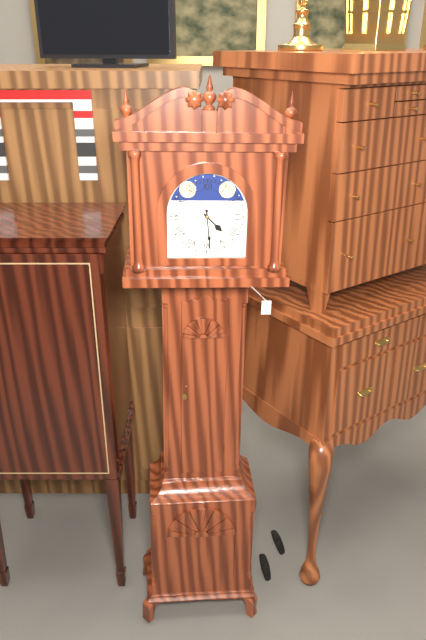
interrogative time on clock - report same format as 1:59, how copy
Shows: 4:29
